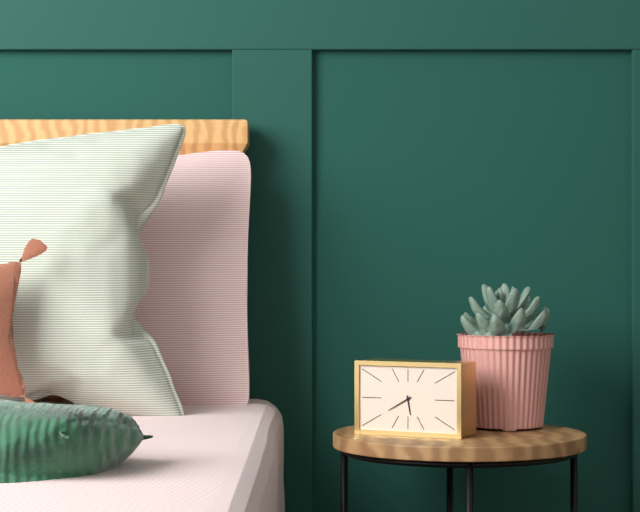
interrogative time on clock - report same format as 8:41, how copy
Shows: 5:40
